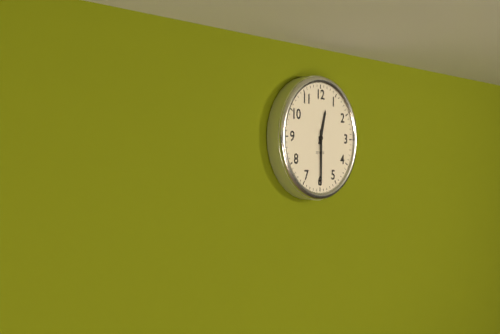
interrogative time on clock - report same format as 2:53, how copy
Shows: 12:30
